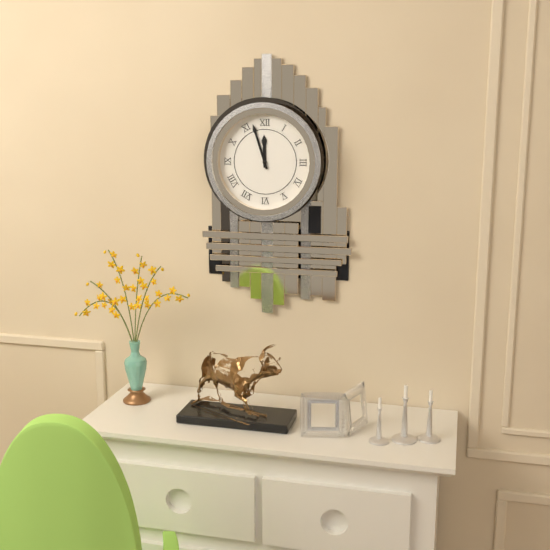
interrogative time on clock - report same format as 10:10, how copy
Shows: 11:57
